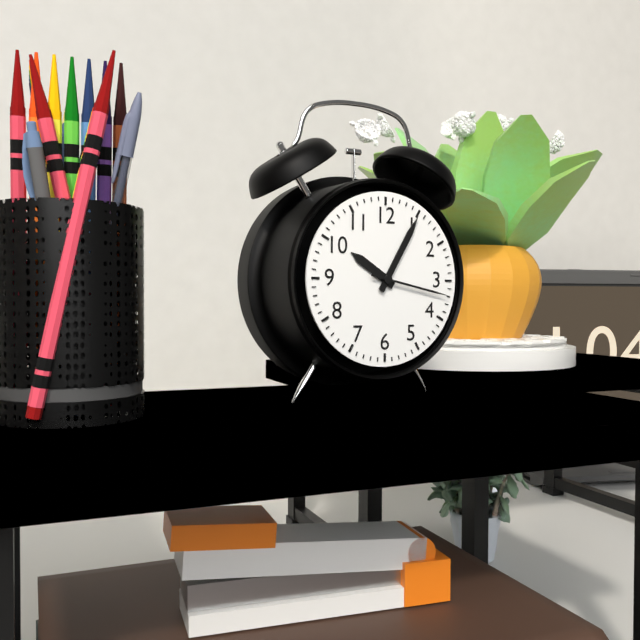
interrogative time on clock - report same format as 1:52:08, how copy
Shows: 10:05:17
